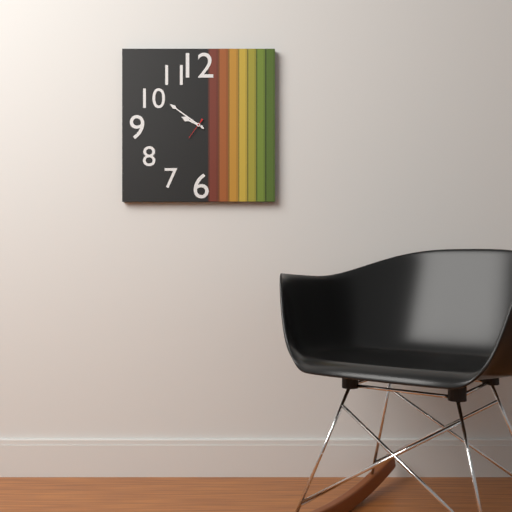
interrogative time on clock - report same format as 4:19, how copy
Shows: 9:51
